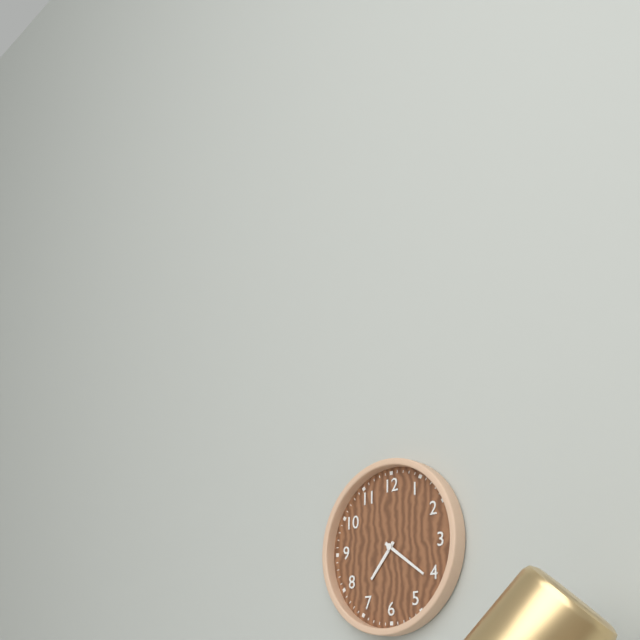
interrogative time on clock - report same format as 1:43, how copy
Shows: 7:21
